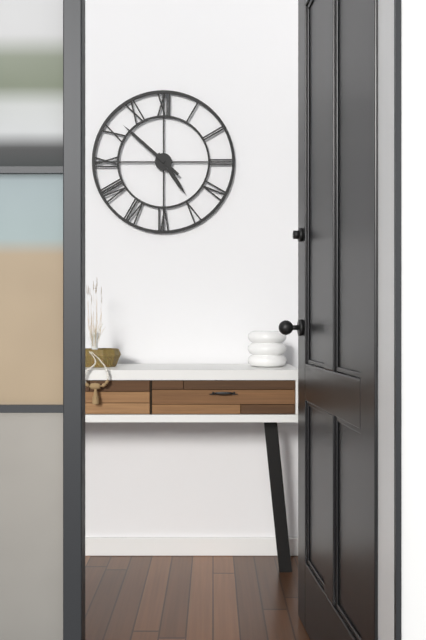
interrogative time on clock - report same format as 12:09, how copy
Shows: 4:52
